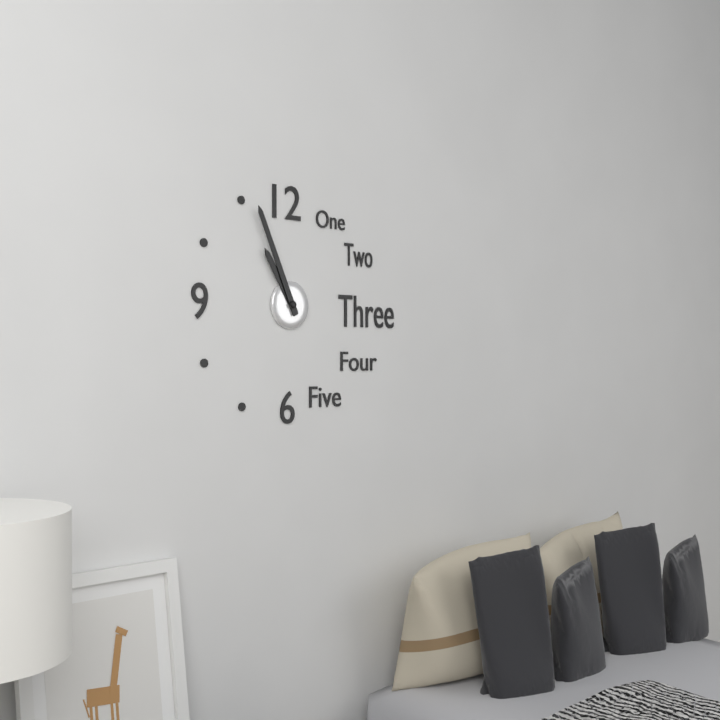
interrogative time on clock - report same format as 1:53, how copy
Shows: 10:56
